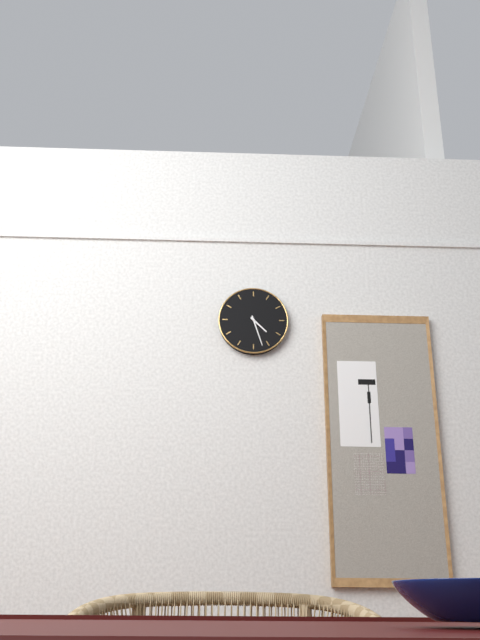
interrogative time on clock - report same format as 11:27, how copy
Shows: 4:27
